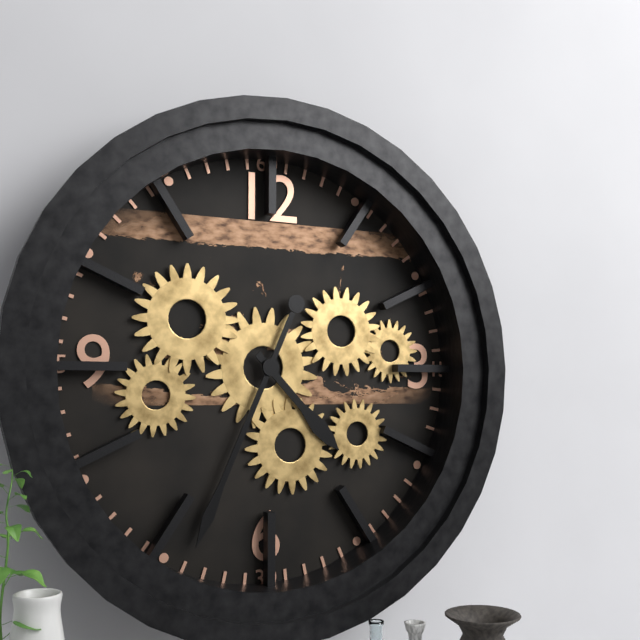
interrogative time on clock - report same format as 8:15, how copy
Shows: 4:34
